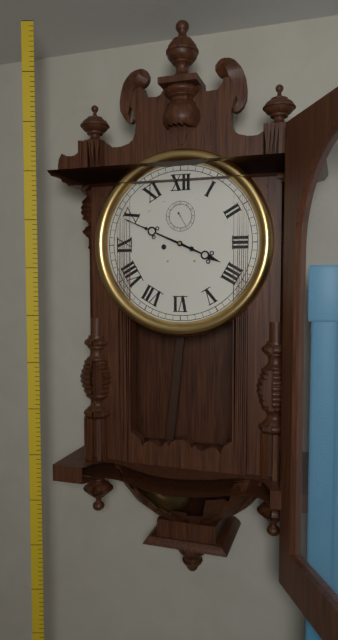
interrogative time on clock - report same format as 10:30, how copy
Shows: 3:49
